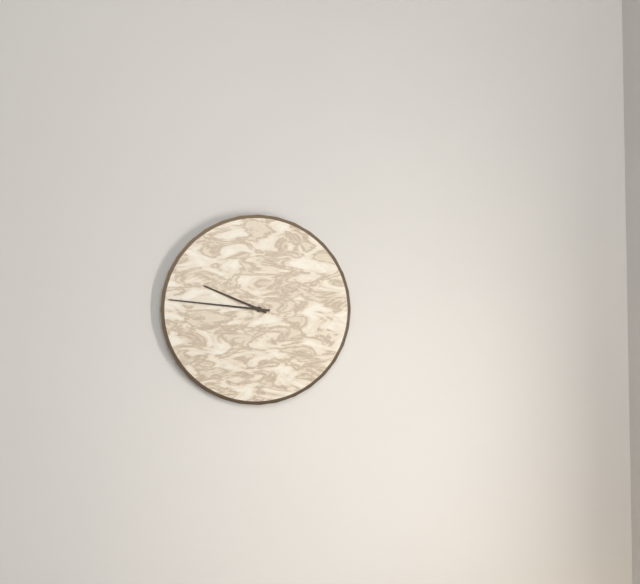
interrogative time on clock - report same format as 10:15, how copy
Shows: 9:46
